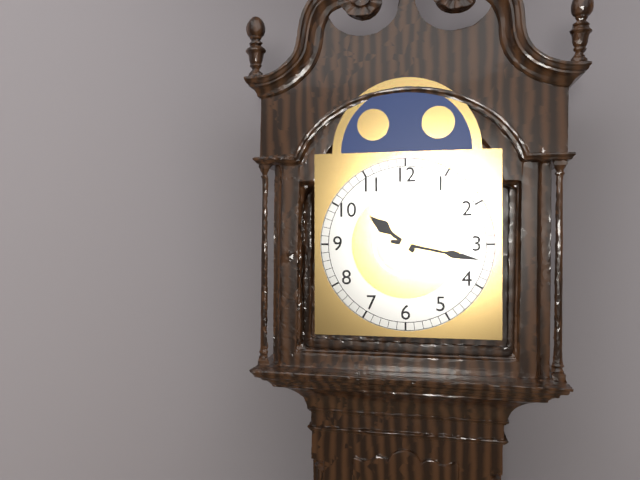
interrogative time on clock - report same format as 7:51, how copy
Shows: 10:17
